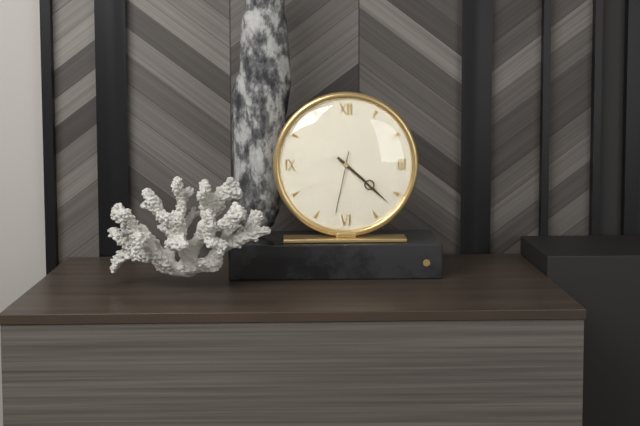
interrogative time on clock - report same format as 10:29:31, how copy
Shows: 4:22:32
